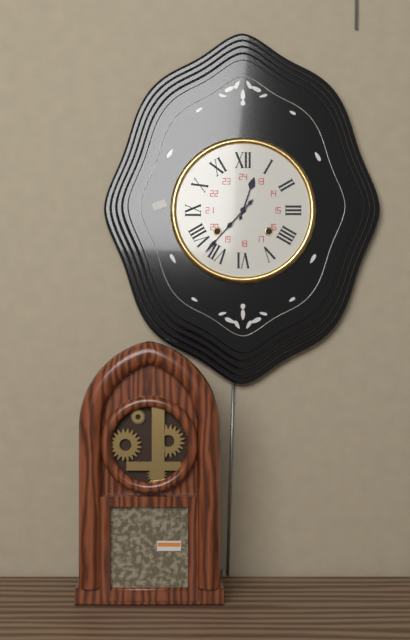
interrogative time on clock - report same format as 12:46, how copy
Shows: 12:37
